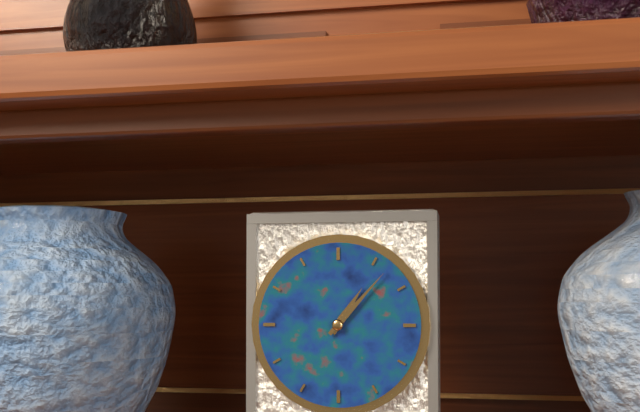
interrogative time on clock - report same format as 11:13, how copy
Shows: 1:07
